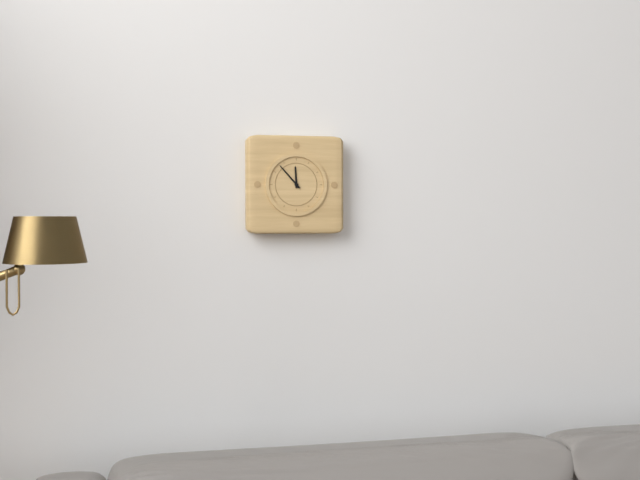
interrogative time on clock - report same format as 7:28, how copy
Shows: 11:53
